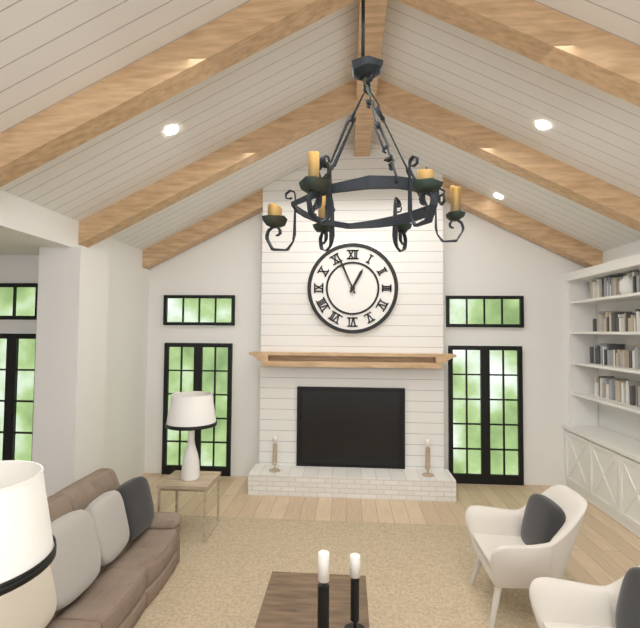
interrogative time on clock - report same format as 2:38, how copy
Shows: 12:56
